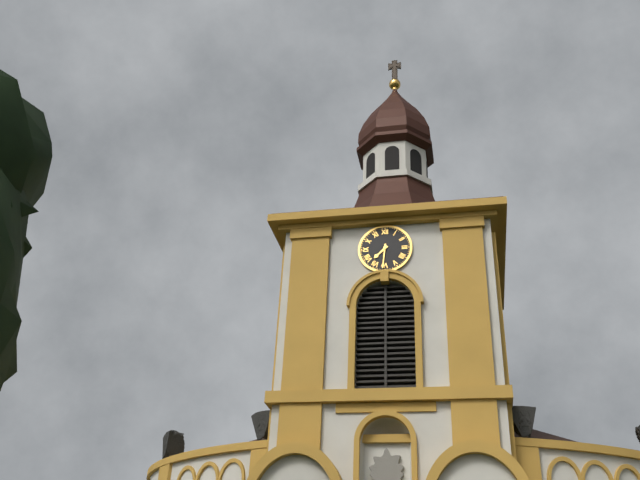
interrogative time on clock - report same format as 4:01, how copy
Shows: 7:31
